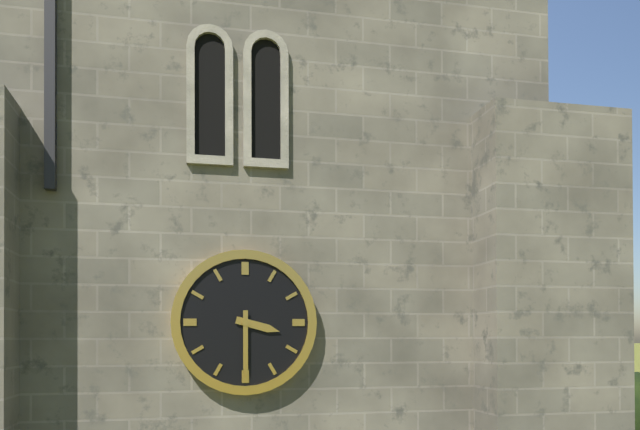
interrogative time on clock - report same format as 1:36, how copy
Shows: 3:30
